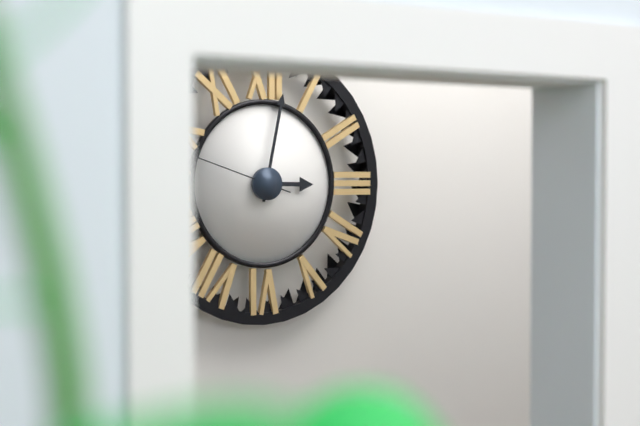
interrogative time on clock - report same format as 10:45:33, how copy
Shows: 3:02:48
